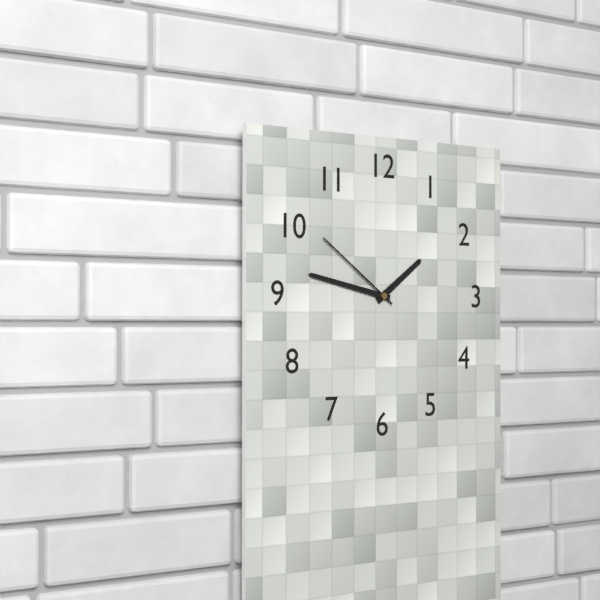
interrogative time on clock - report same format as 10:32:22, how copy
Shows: 1:47:51
